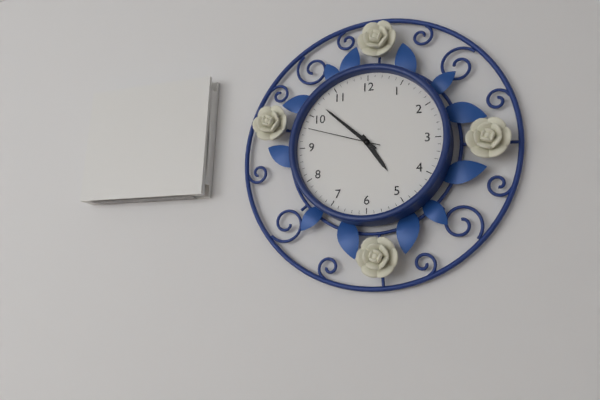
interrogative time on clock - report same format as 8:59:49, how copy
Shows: 4:52:48
